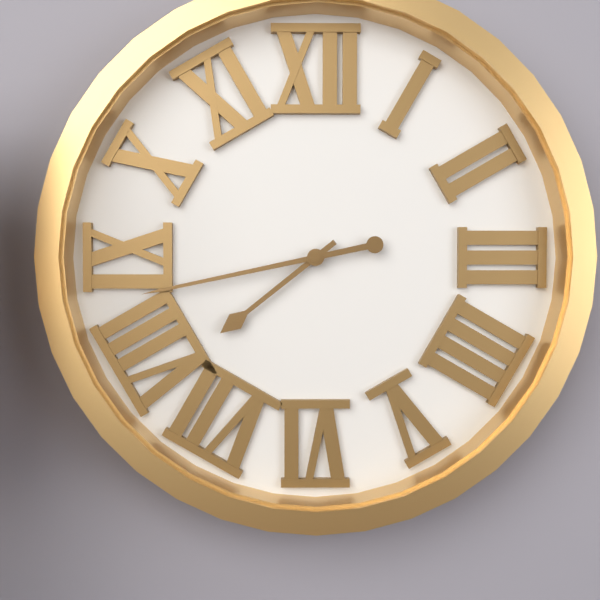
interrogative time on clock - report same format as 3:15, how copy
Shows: 7:43
